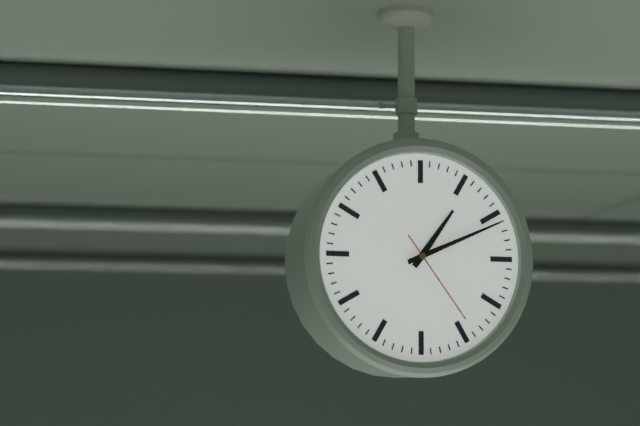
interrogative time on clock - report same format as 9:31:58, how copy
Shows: 1:11:24
